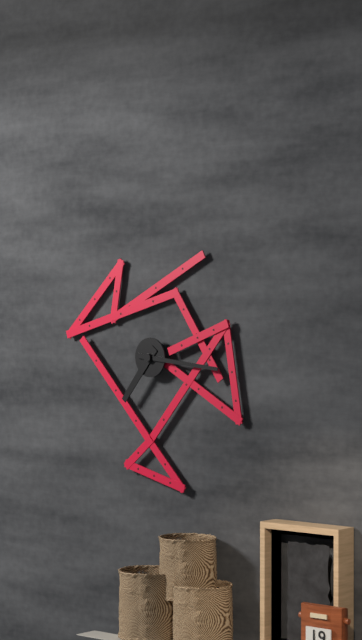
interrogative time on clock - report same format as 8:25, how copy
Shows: 7:16
